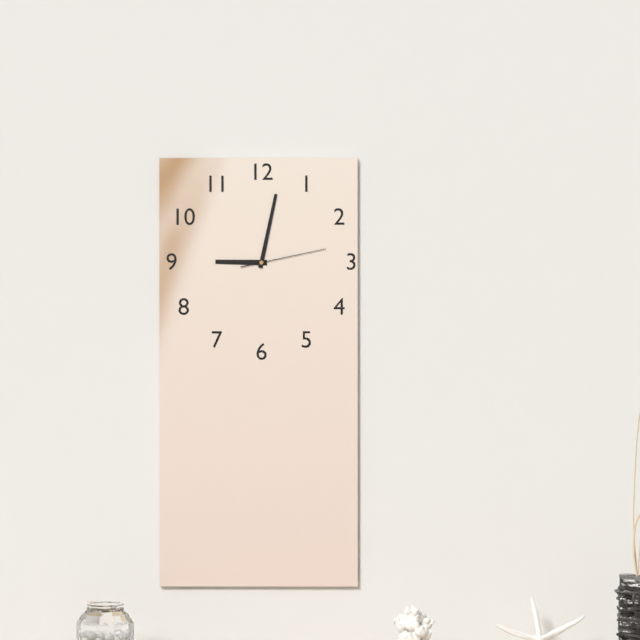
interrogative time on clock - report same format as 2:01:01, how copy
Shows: 9:02:13
